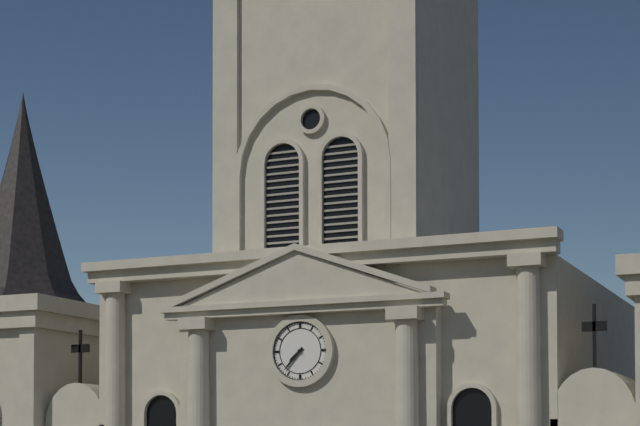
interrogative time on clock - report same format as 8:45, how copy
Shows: 7:37
